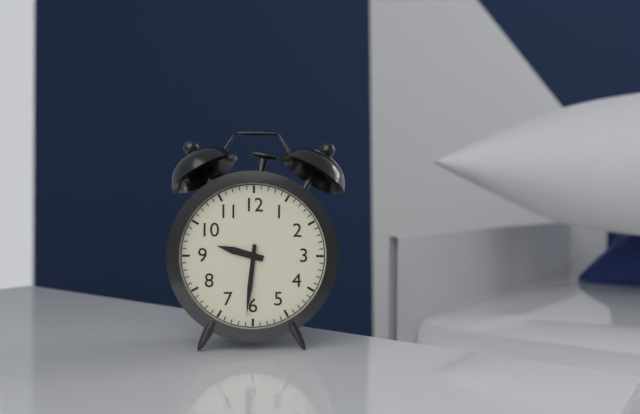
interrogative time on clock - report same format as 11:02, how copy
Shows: 9:31
